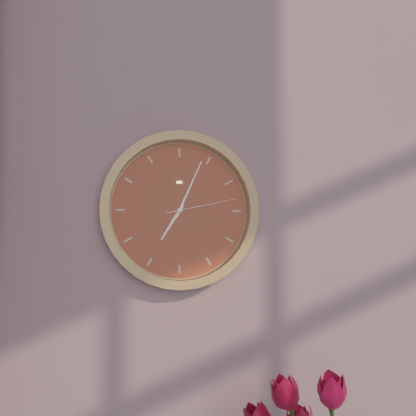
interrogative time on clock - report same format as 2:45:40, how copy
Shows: 7:04:13
